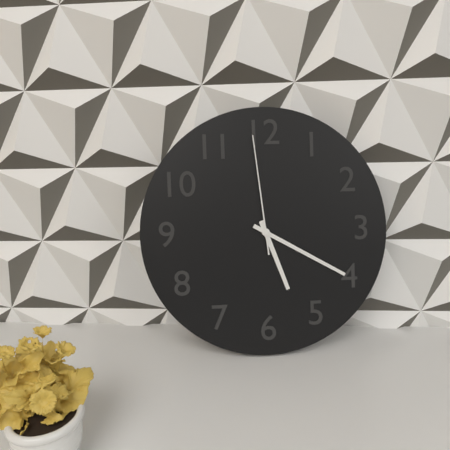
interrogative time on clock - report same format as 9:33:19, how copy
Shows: 5:20:59
